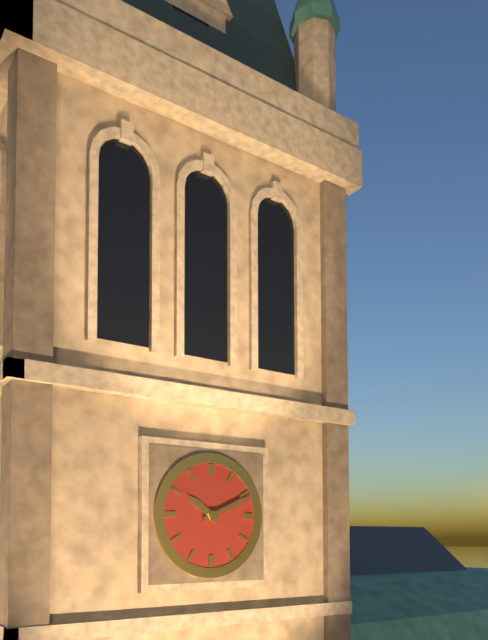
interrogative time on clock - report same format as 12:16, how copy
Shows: 10:11
